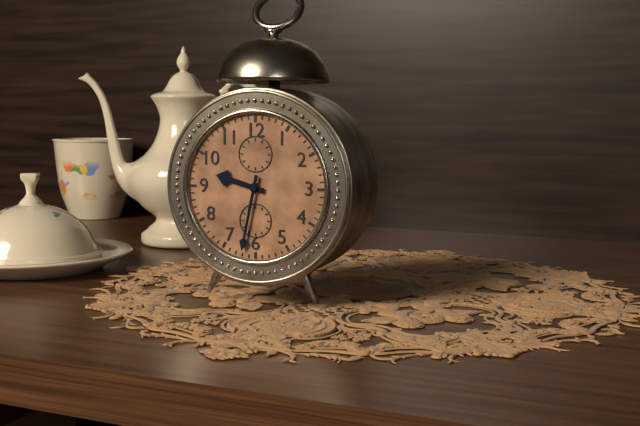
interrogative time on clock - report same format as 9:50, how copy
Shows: 9:32
